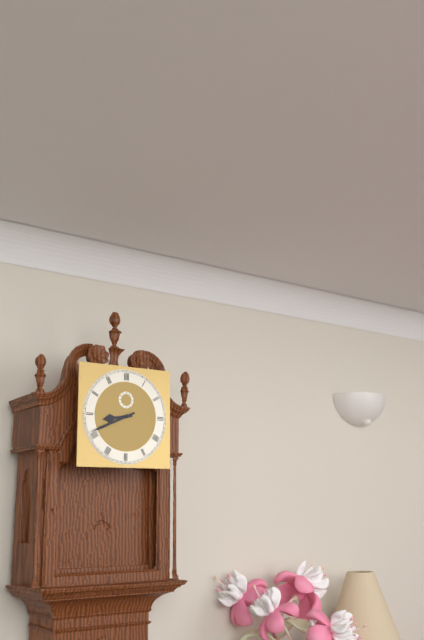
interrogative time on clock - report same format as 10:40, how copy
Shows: 8:41
